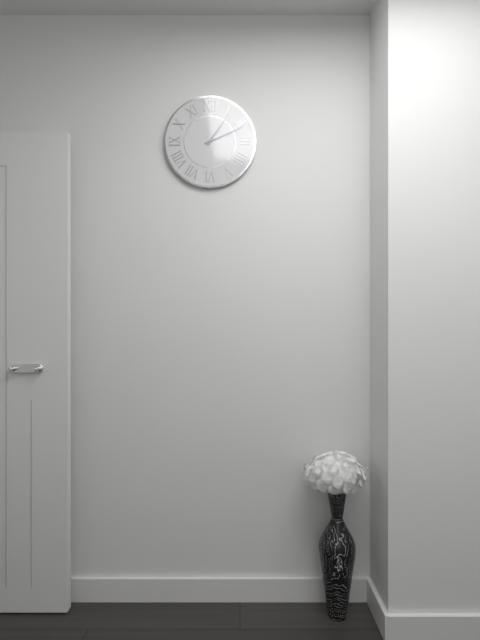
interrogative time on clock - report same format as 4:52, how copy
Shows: 1:11
